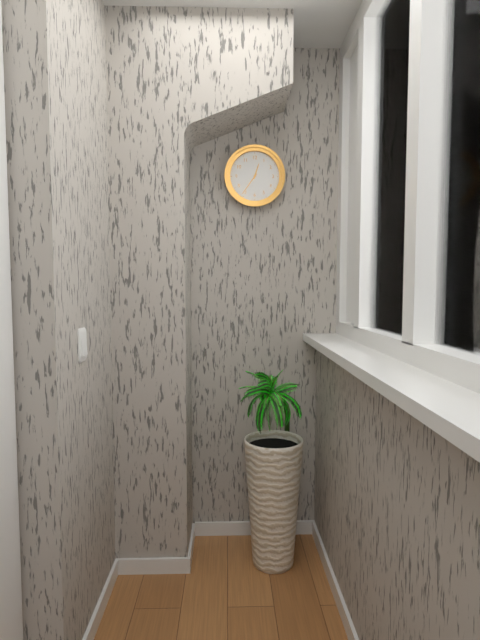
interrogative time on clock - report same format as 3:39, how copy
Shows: 12:36
